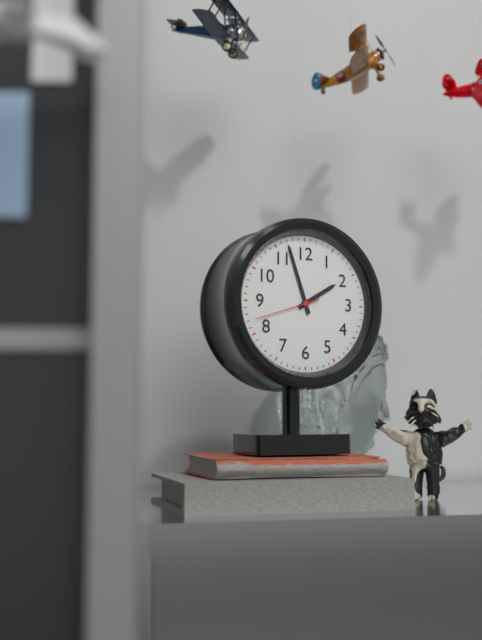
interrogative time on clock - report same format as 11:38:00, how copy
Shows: 1:57:42
